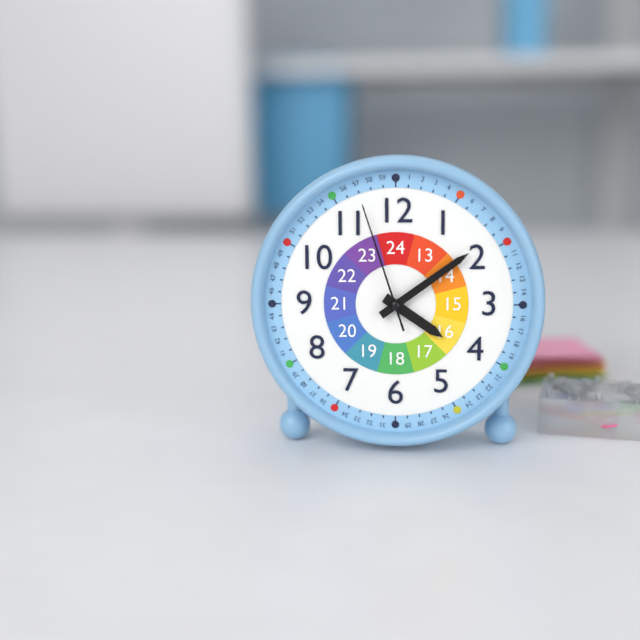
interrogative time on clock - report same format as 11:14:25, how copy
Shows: 4:09:57
